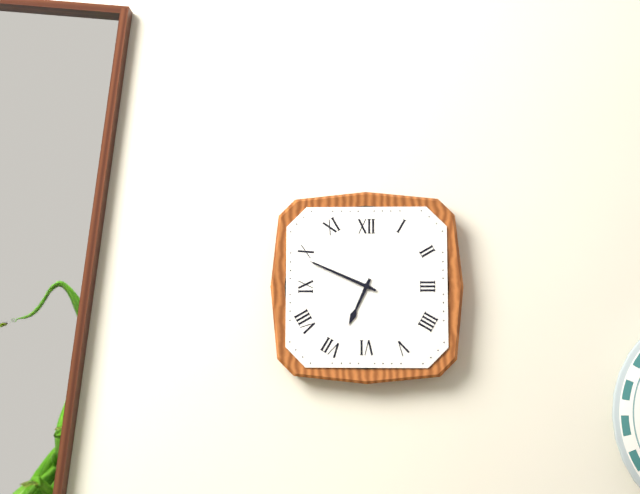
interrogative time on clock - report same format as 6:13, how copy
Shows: 6:49
